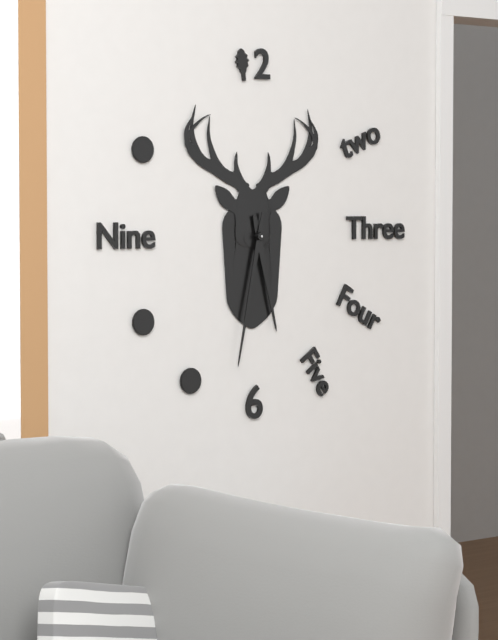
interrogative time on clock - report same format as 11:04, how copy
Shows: 5:32
